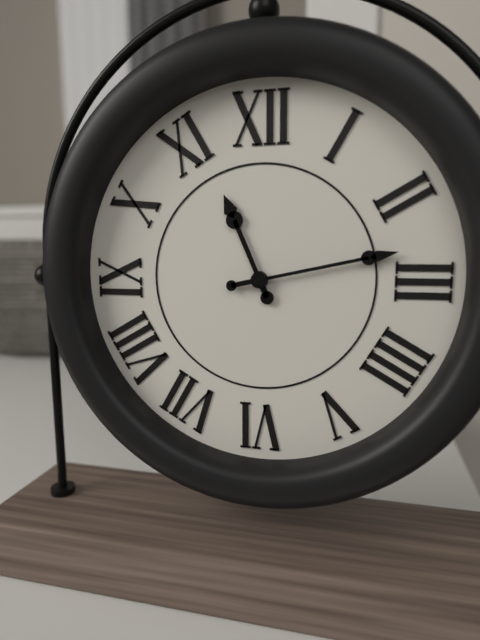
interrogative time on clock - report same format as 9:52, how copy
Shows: 11:13
